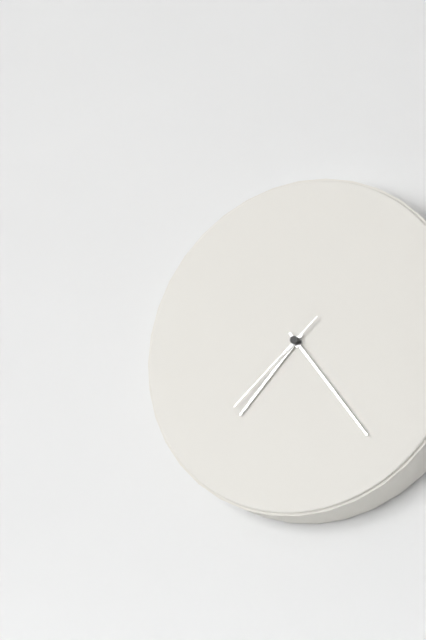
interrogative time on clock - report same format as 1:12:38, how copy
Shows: 7:24:38
